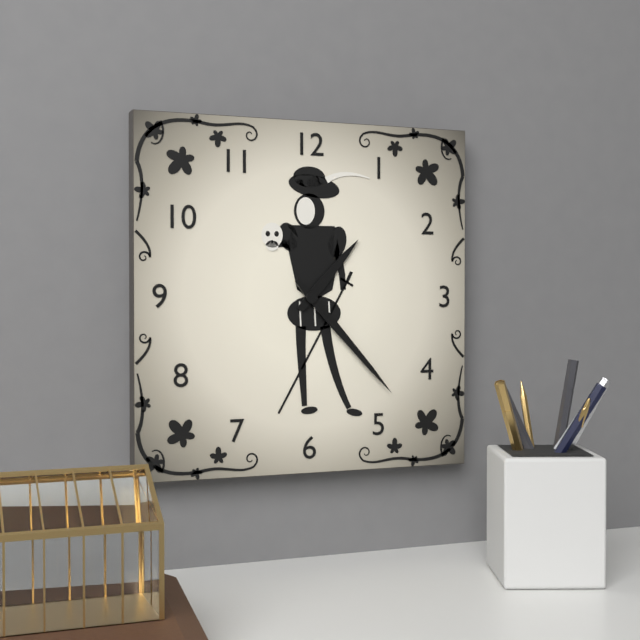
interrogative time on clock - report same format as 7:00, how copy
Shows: 1:23
